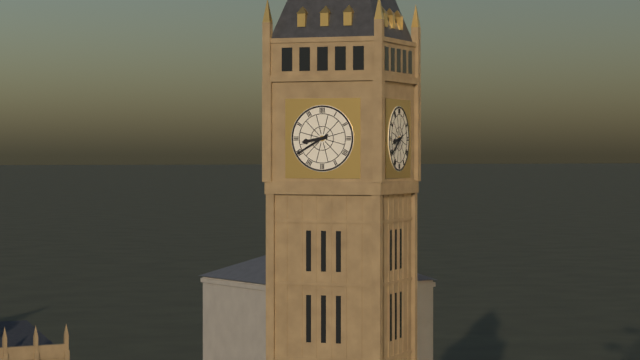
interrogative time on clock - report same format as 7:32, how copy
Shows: 8:40
